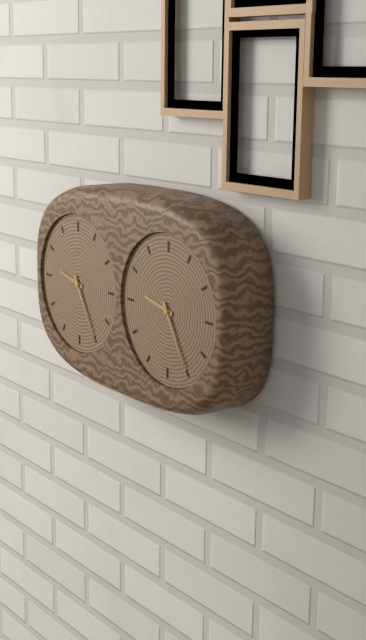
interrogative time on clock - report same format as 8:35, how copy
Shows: 9:25
